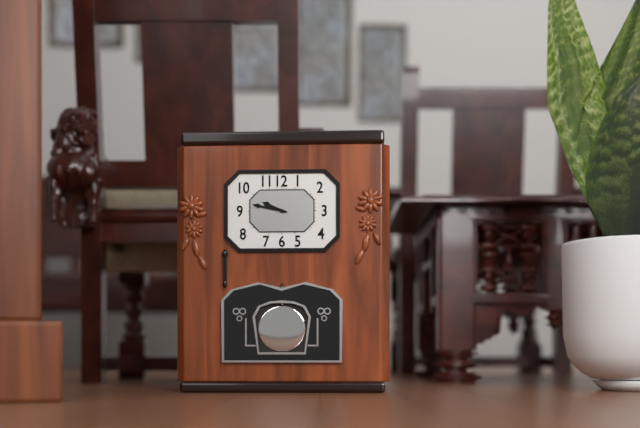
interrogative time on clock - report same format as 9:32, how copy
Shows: 9:47
